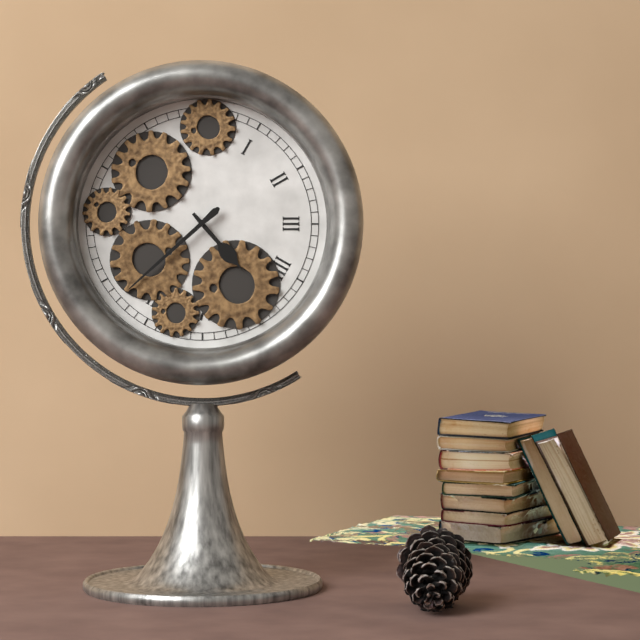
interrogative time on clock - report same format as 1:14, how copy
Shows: 4:38
